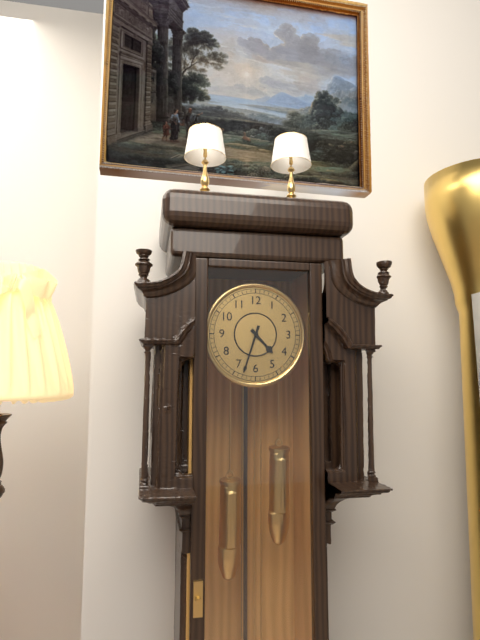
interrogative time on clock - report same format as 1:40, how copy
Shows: 4:33
